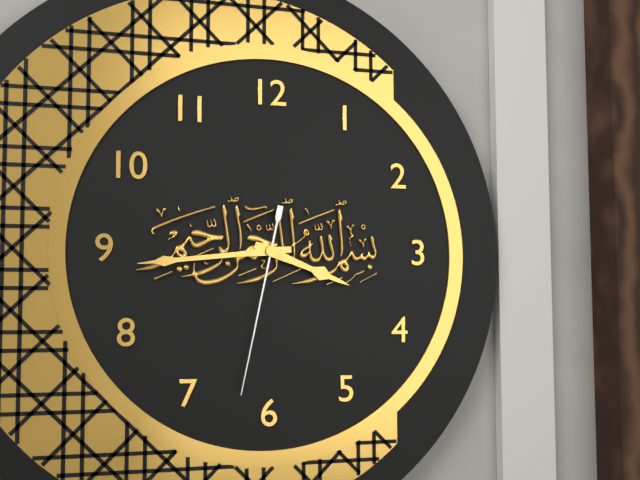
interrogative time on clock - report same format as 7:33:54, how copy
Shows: 3:44:32
